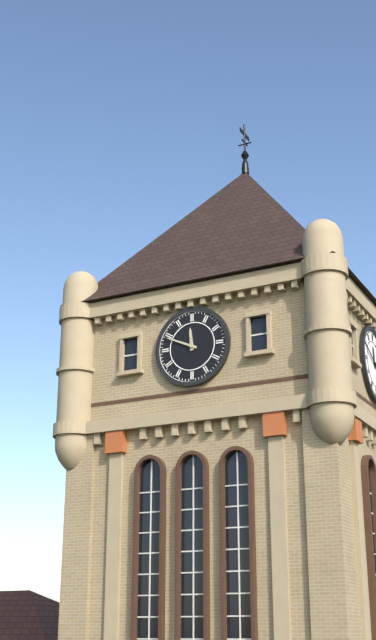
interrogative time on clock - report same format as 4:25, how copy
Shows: 11:49
